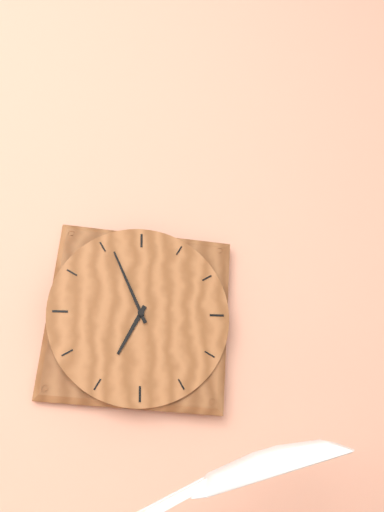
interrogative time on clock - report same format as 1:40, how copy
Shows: 6:56
